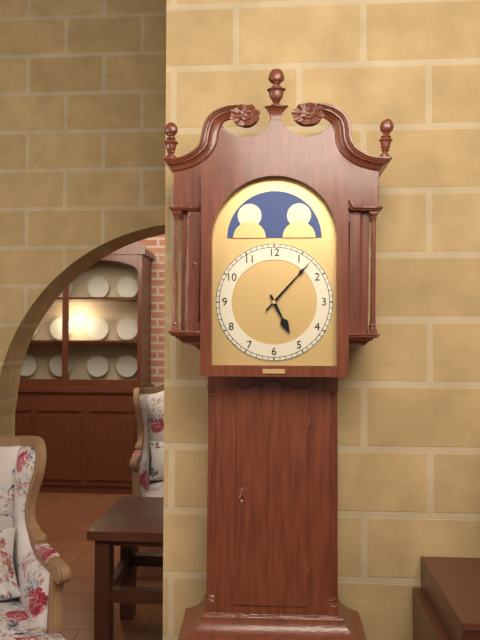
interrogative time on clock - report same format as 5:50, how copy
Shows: 5:07
